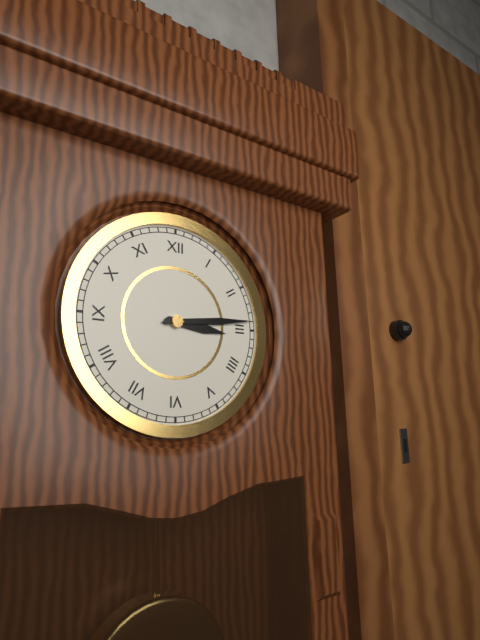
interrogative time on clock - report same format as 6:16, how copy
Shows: 3:14
